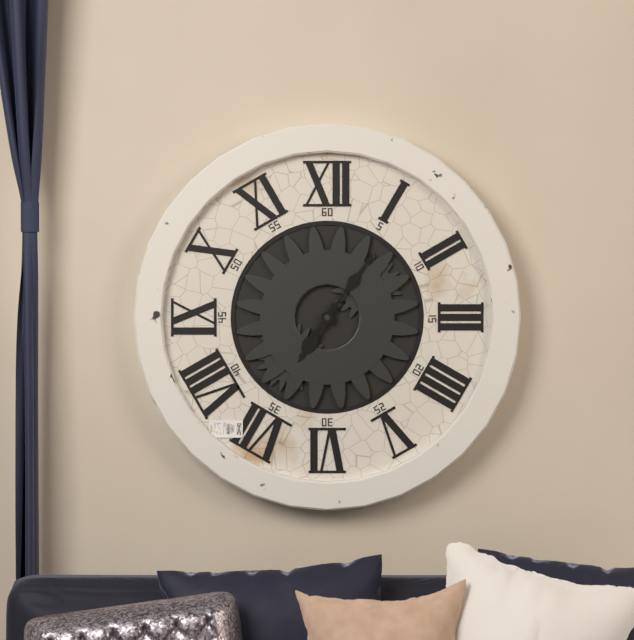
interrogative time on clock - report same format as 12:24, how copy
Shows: 7:06
